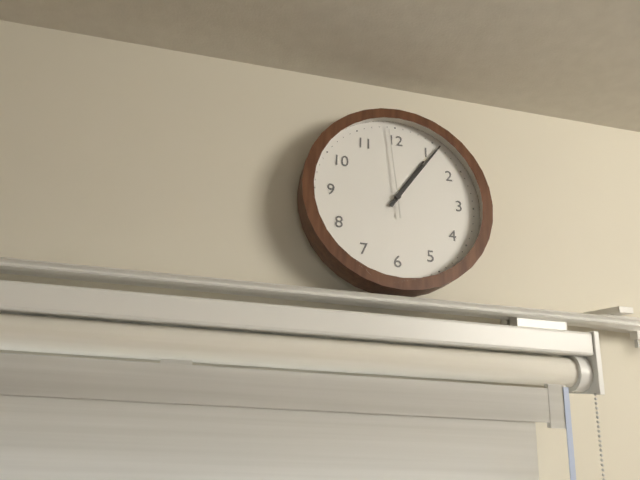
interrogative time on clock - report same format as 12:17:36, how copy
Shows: 1:06:59
